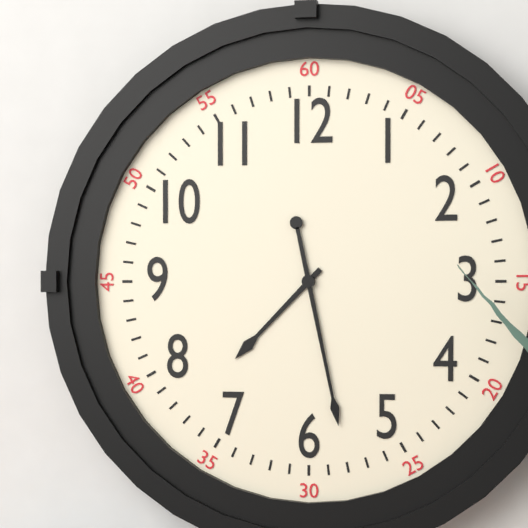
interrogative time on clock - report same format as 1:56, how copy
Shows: 7:28
